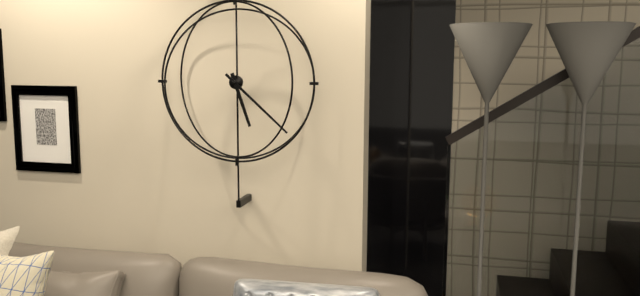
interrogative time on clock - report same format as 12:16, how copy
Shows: 5:22
